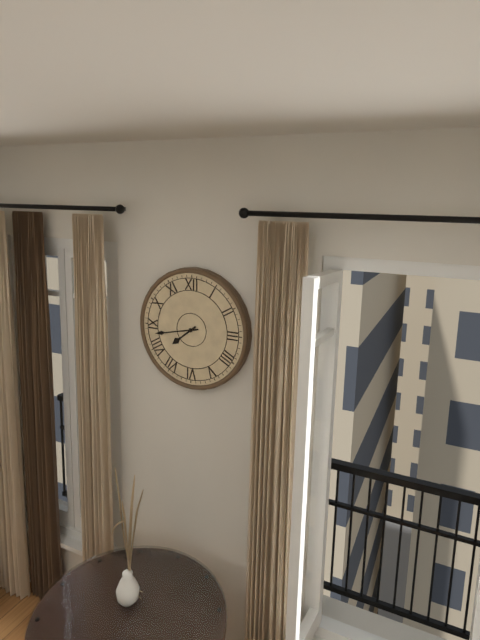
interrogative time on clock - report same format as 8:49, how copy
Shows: 7:43
